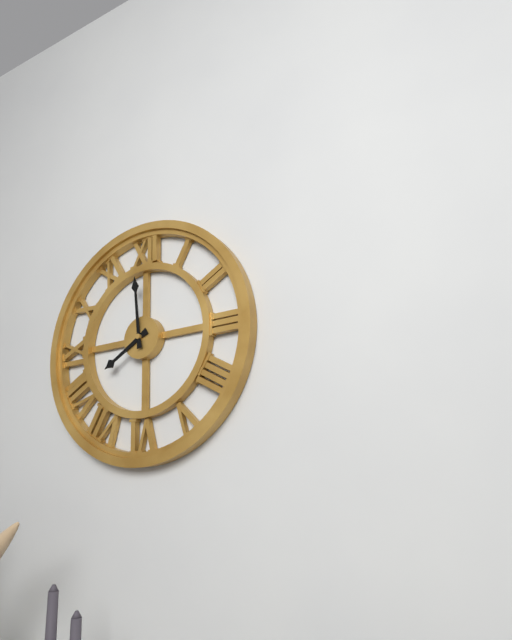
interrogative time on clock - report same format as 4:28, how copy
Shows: 7:59
